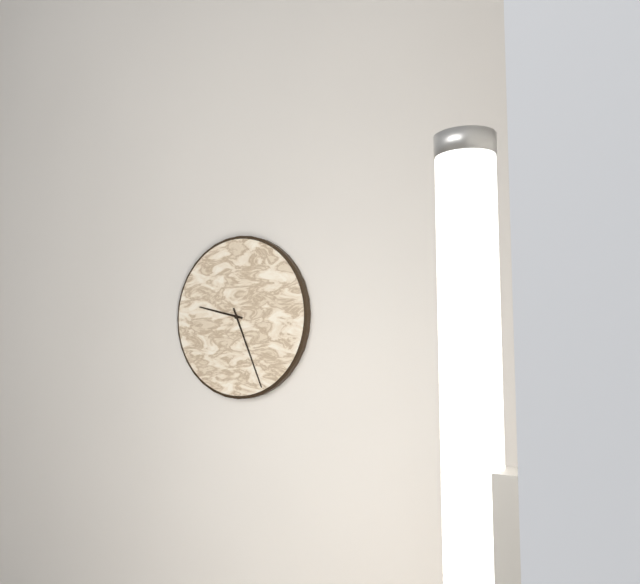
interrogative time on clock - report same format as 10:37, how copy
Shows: 9:26
